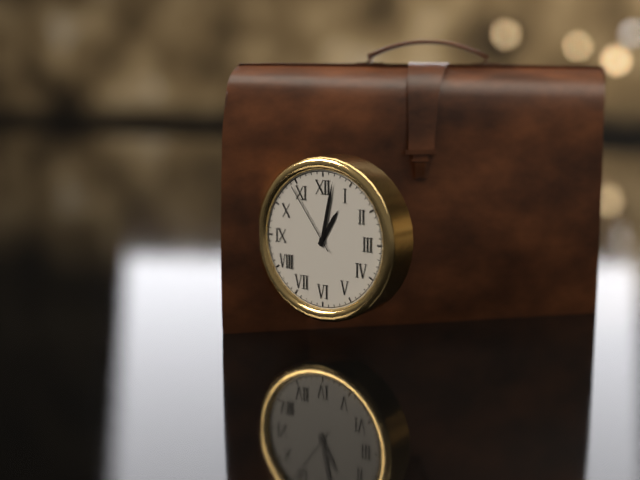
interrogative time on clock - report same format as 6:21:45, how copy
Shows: 1:02:54
